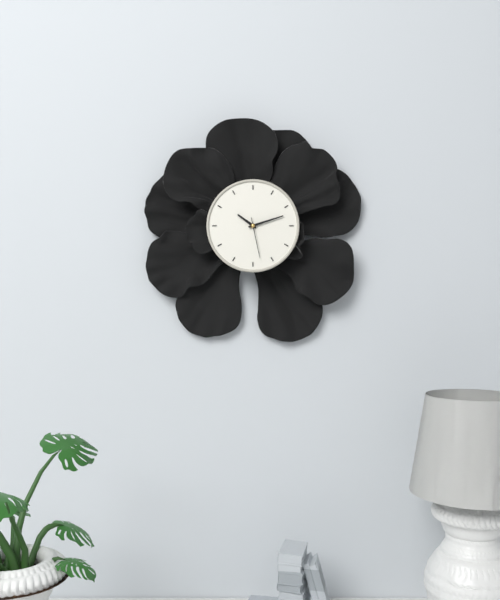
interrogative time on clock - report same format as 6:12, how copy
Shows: 10:12
